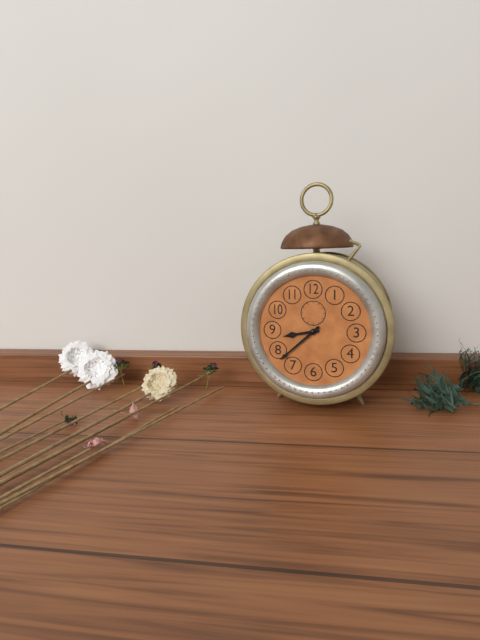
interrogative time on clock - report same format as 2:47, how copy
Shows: 8:38
